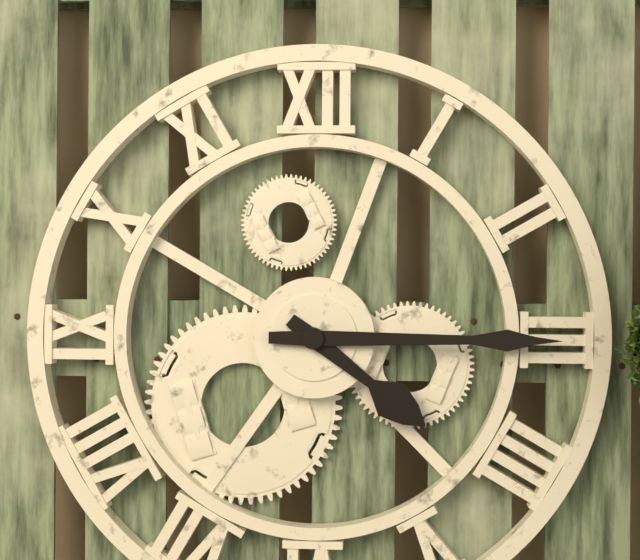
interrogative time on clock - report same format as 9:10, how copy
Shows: 4:15
